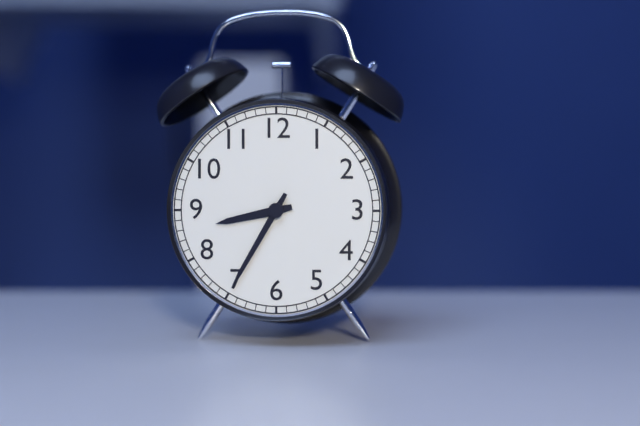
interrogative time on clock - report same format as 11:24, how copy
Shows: 8:35
